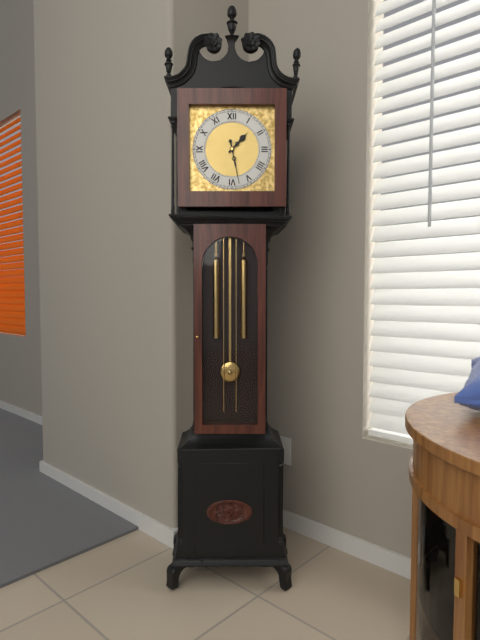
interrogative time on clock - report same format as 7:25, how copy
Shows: 1:28
